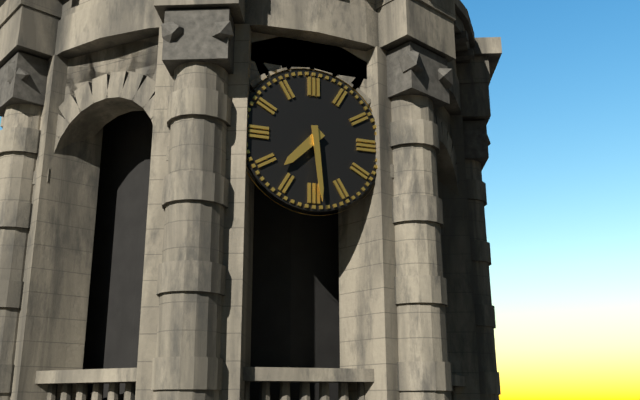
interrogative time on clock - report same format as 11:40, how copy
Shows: 7:29
